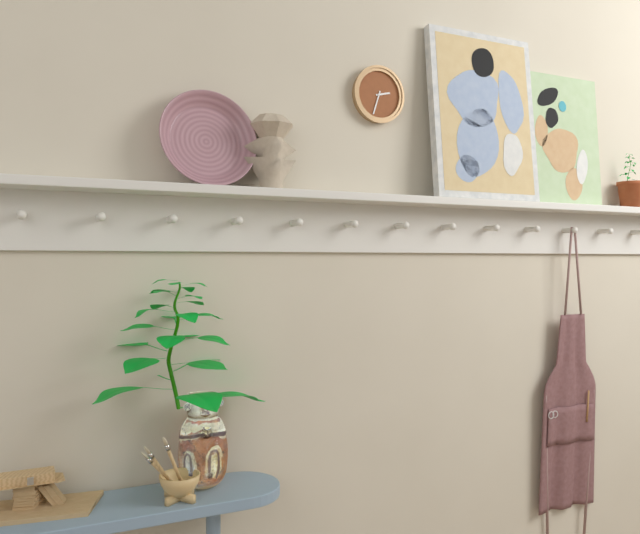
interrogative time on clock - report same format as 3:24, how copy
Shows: 2:33
